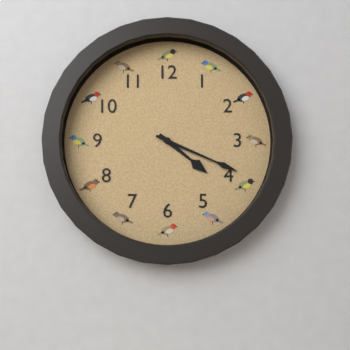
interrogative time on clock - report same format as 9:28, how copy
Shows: 4:19
